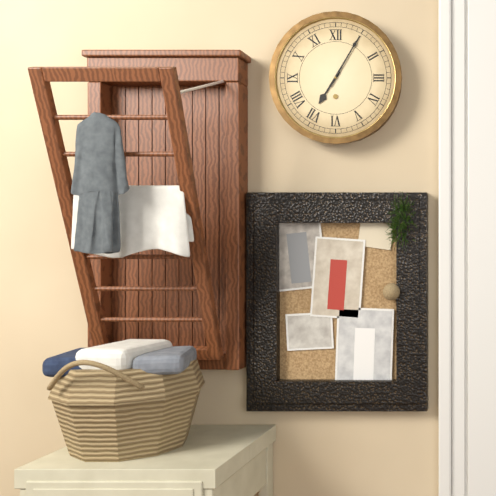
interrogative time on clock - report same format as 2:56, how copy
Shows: 7:05
